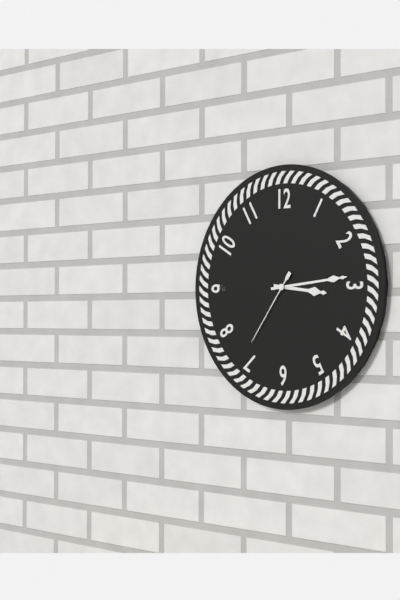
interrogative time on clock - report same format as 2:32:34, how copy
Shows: 3:14:36
